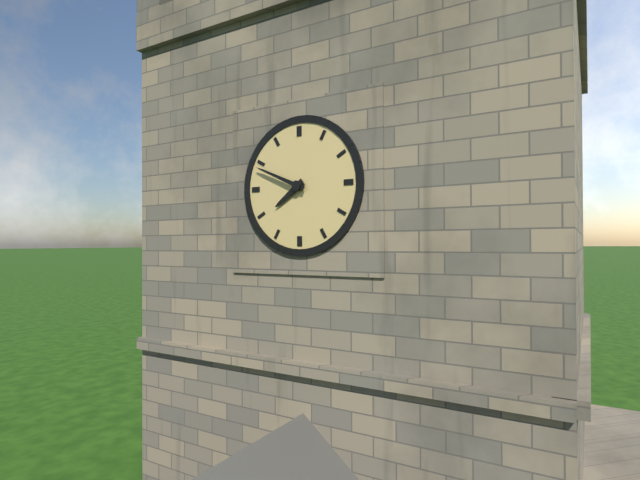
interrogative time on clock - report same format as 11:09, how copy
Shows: 7:49
